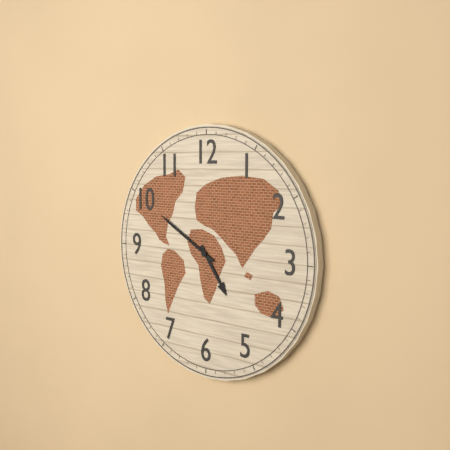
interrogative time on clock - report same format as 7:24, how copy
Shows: 4:50
